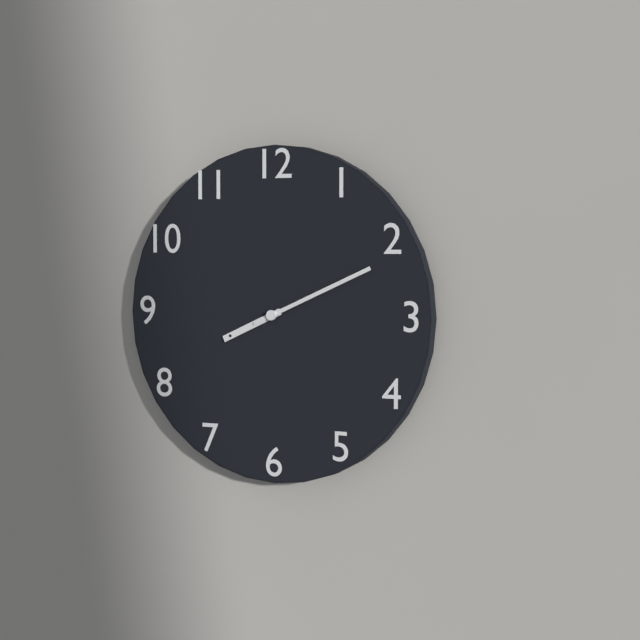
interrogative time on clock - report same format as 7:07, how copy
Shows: 8:11
